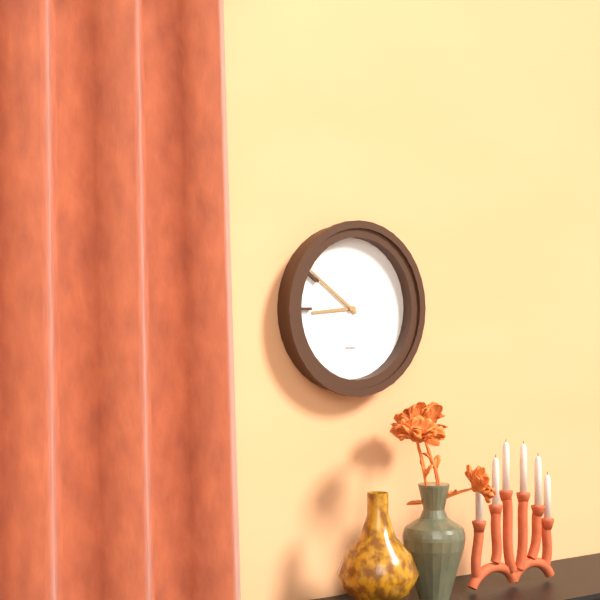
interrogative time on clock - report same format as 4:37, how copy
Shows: 8:51
